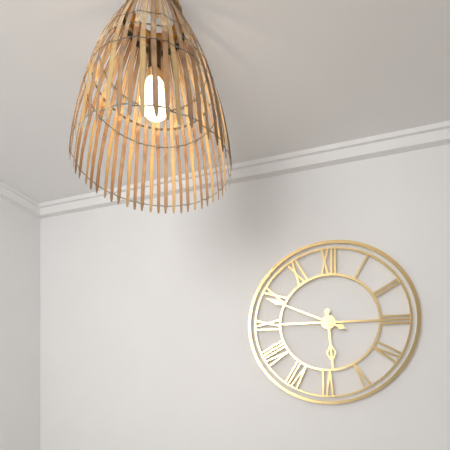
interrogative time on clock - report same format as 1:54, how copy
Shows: 5:49
